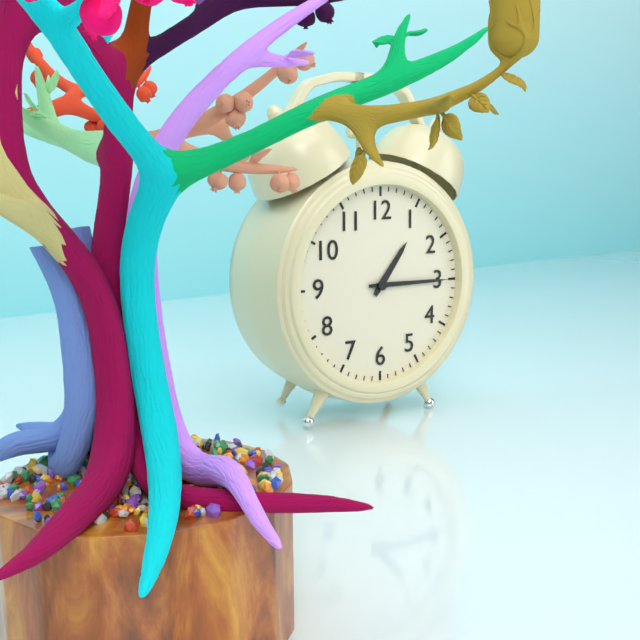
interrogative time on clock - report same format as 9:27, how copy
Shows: 1:15
